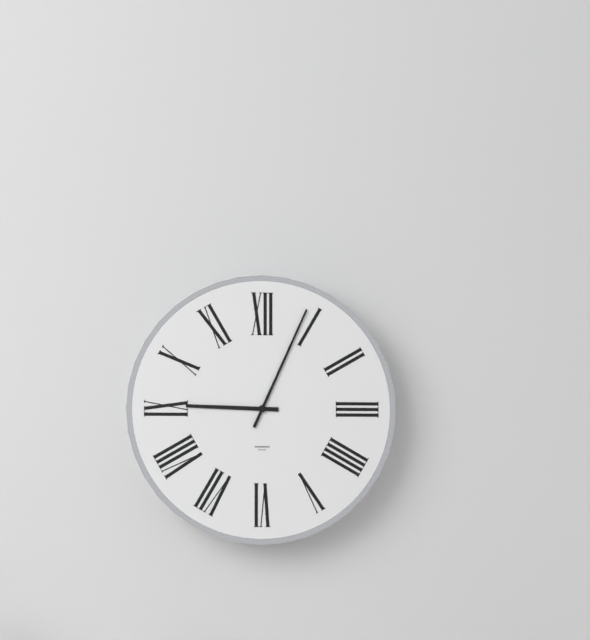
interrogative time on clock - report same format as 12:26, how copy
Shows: 9:04
